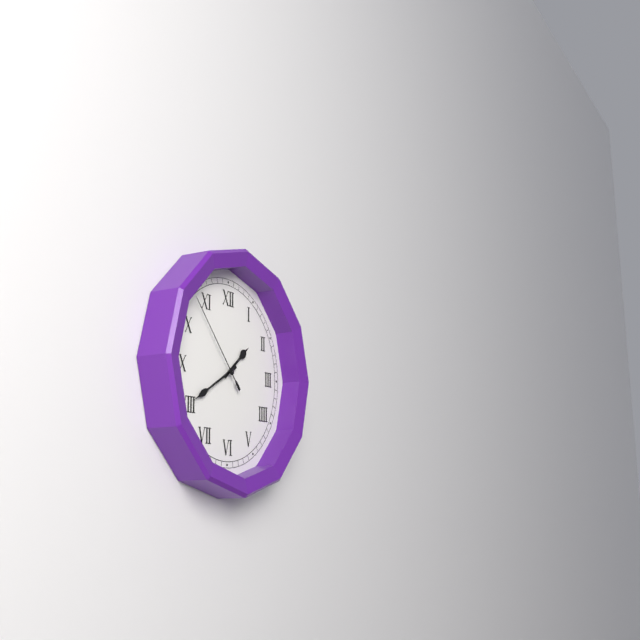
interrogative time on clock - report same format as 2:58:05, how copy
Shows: 1:40:53
